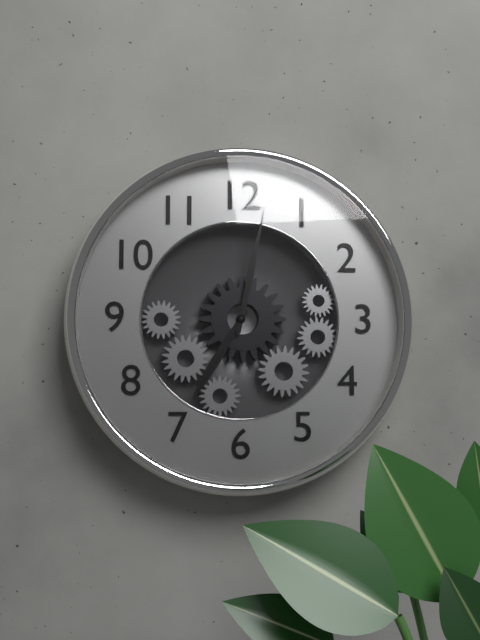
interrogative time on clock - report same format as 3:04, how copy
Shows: 7:02
